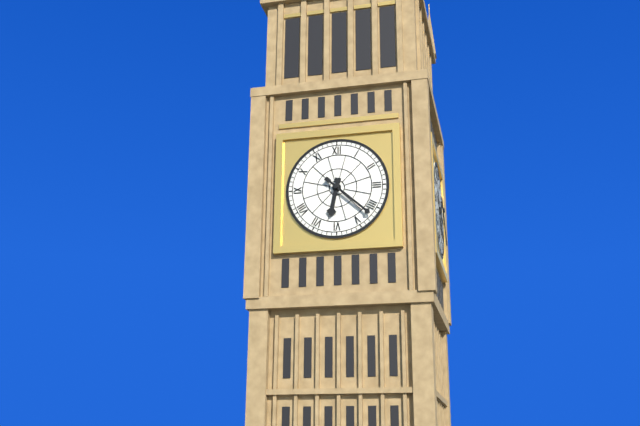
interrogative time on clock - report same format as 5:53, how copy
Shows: 6:22
